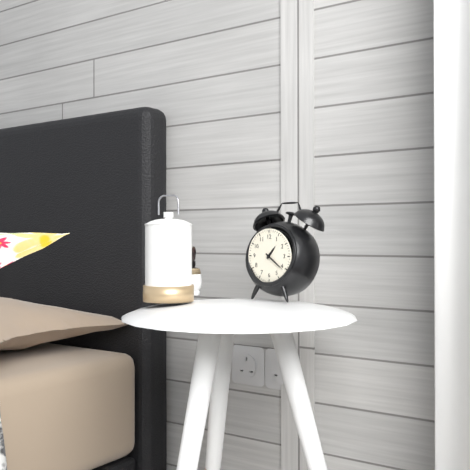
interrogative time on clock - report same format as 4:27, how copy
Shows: 1:21
